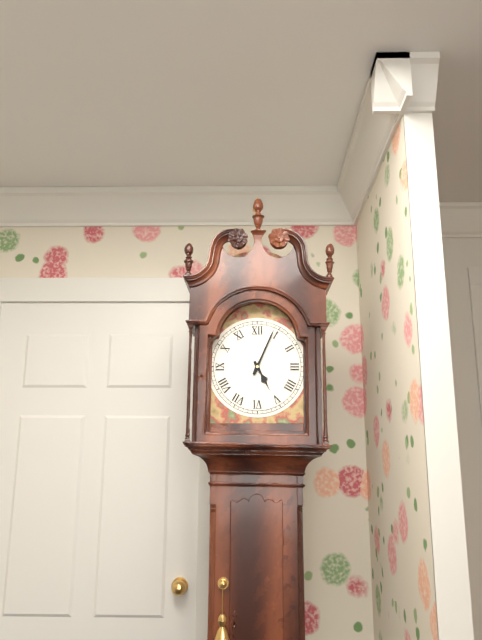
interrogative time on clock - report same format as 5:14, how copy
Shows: 5:04
